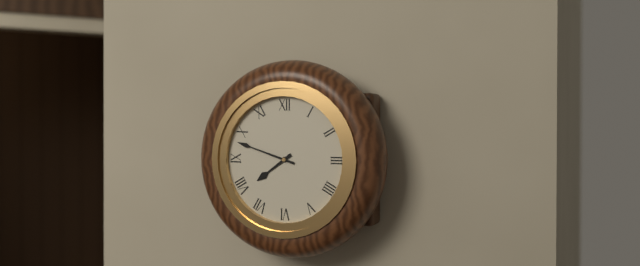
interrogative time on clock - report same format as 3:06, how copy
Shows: 7:48
